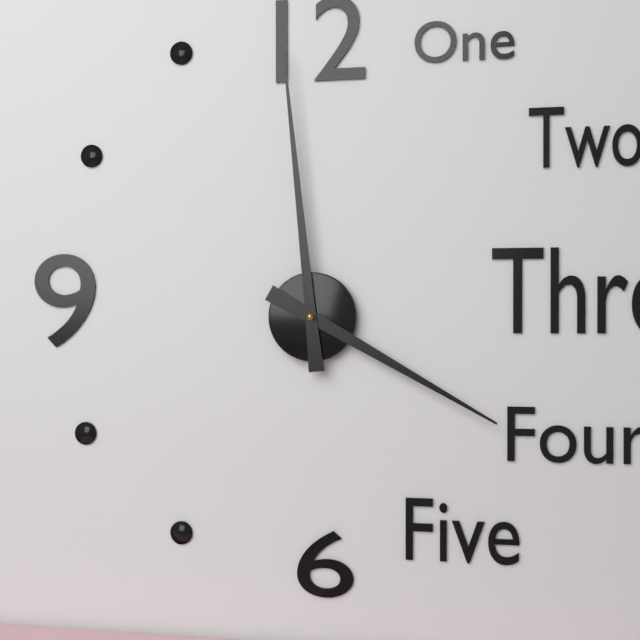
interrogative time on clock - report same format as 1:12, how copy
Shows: 3:59
